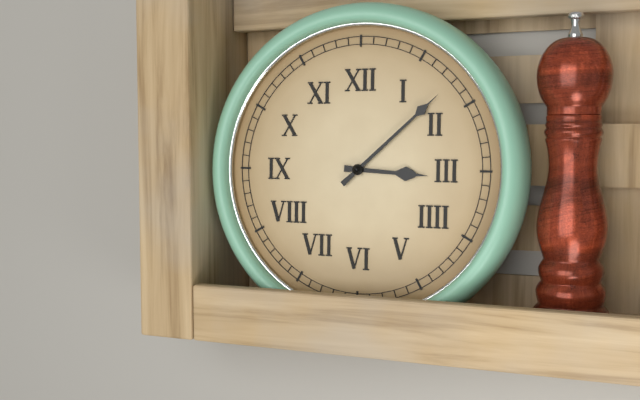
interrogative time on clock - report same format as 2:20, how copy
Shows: 3:08
